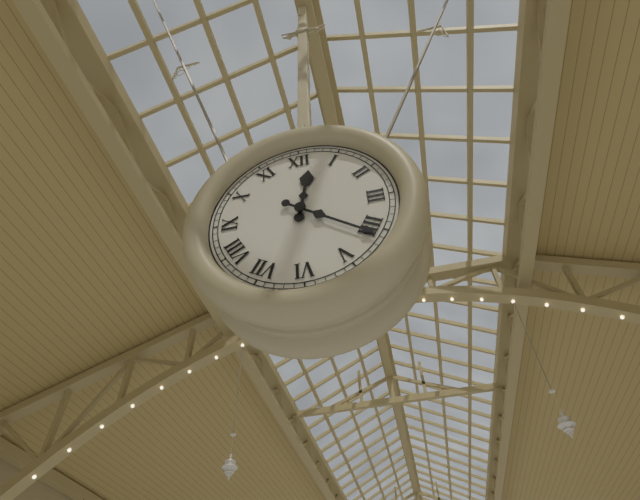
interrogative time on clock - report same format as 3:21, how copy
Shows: 12:21
